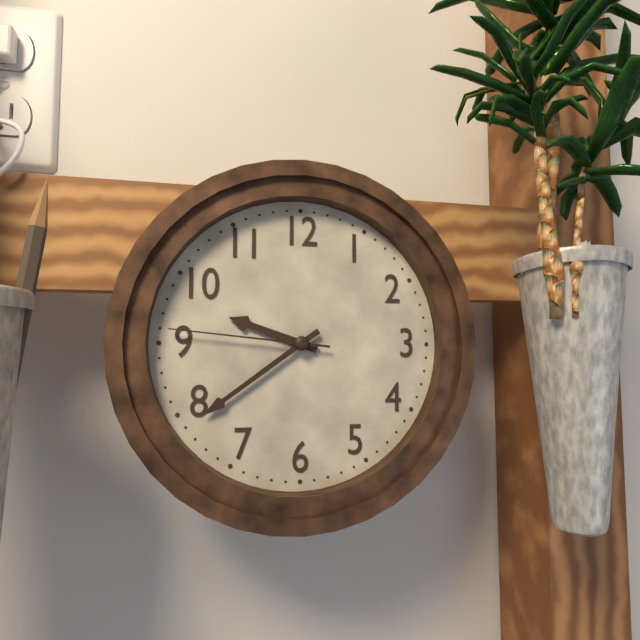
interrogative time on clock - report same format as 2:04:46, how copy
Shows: 9:39:46
